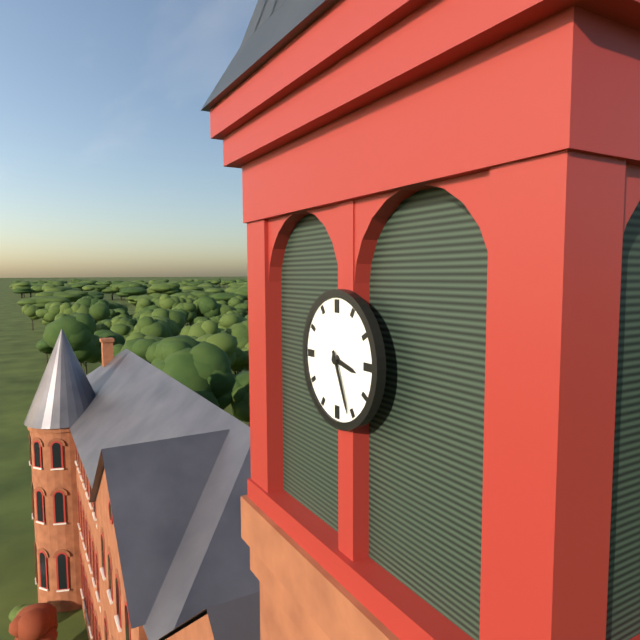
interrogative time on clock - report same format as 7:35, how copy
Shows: 3:26
